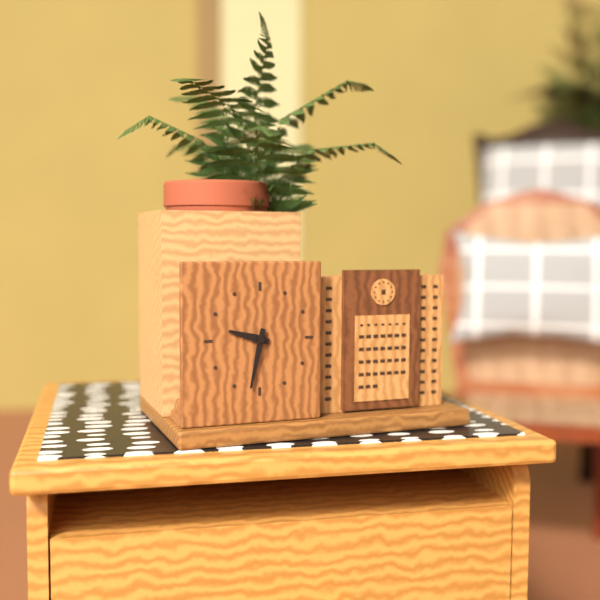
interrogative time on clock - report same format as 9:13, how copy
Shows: 9:32
